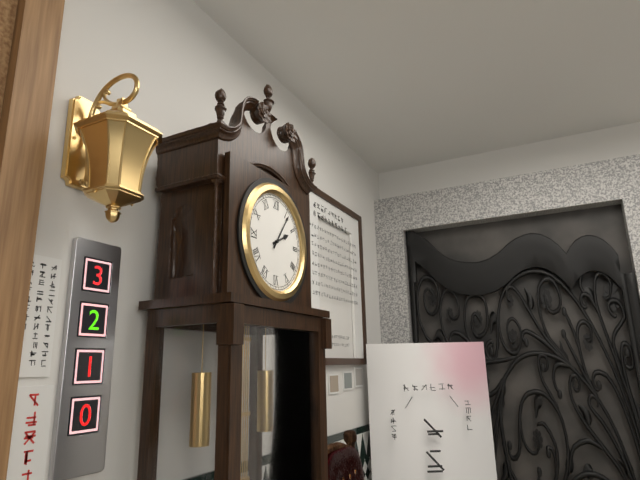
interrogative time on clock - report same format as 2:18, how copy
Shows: 2:06
